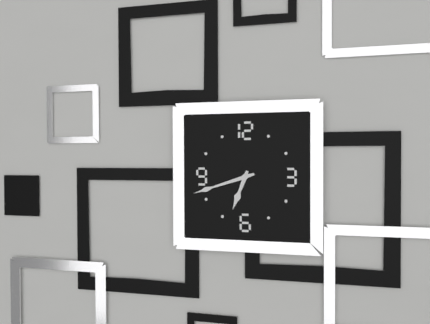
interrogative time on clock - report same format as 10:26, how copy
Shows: 6:42
